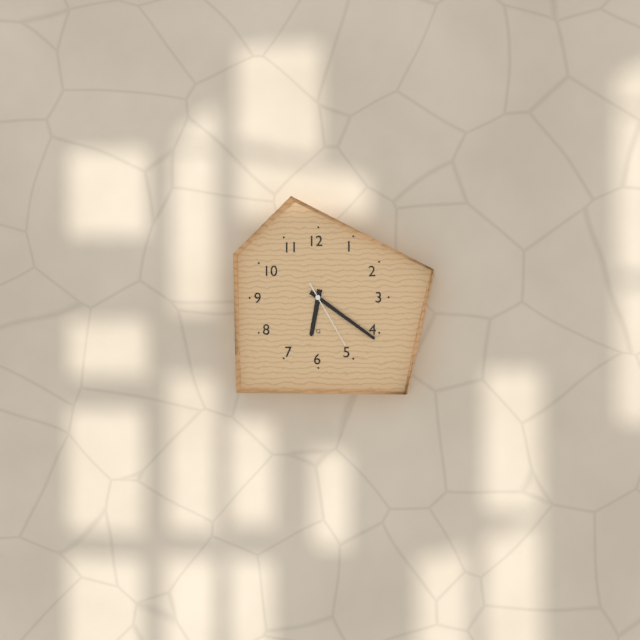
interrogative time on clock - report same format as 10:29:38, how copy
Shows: 6:21:25
